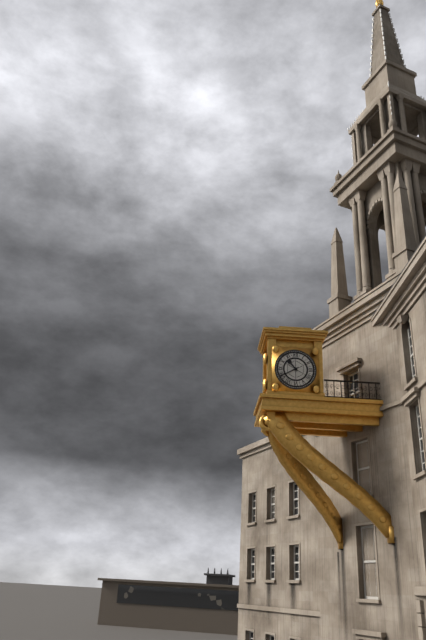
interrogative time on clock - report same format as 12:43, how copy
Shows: 10:40
